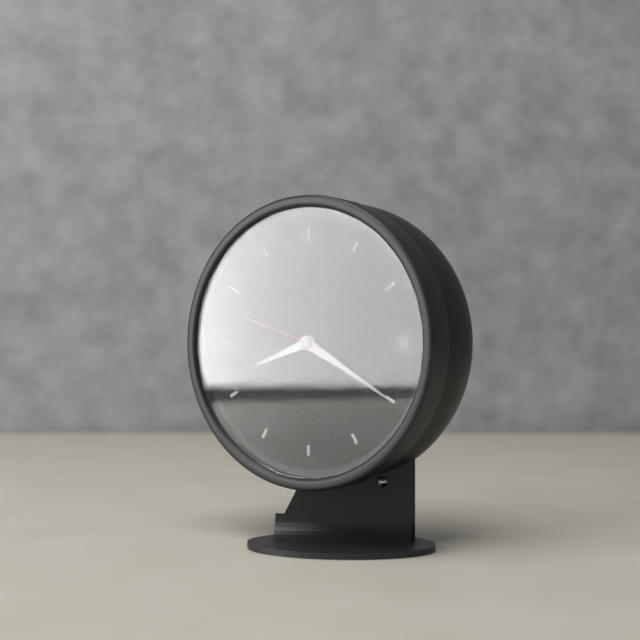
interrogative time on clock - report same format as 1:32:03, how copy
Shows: 8:20:48
